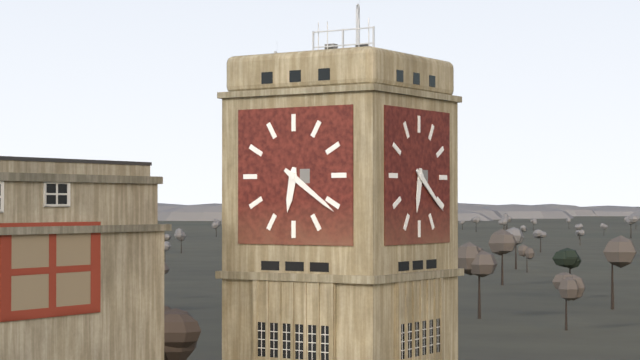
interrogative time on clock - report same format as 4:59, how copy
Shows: 6:21
